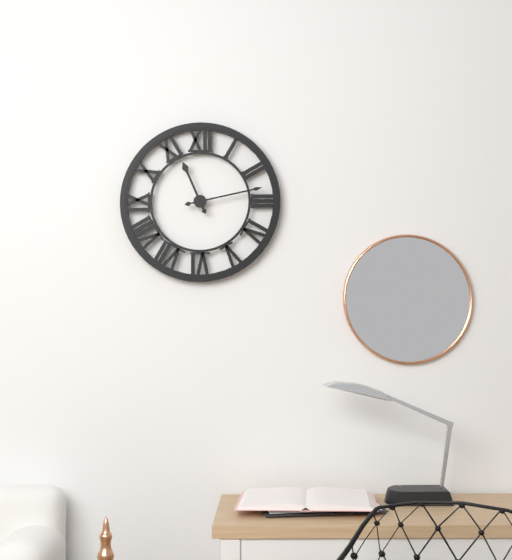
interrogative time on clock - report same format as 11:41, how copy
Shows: 11:13
